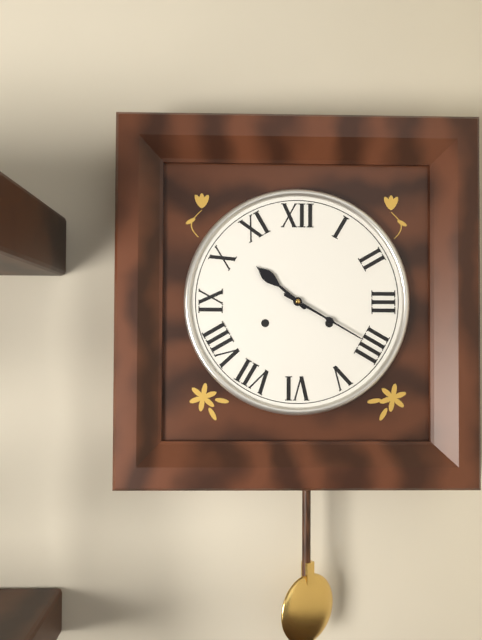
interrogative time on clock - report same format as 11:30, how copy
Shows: 10:20
